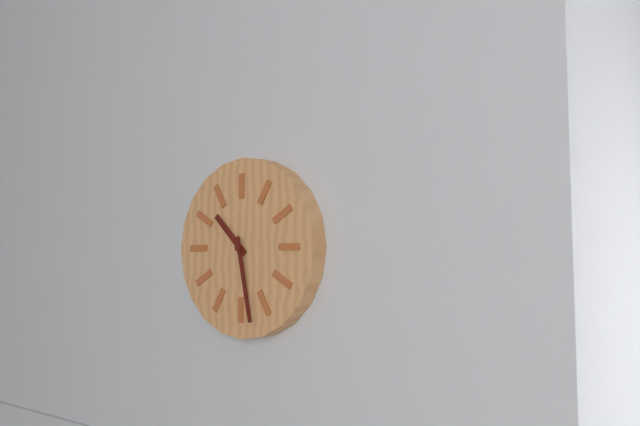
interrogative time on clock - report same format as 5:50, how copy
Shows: 10:28
